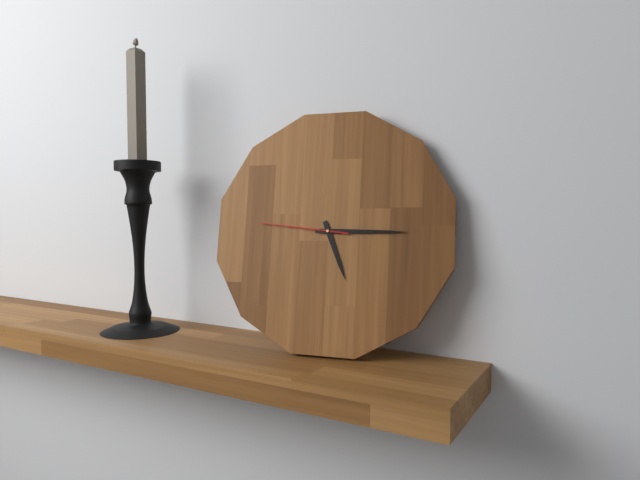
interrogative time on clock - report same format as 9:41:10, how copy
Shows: 5:15:46
